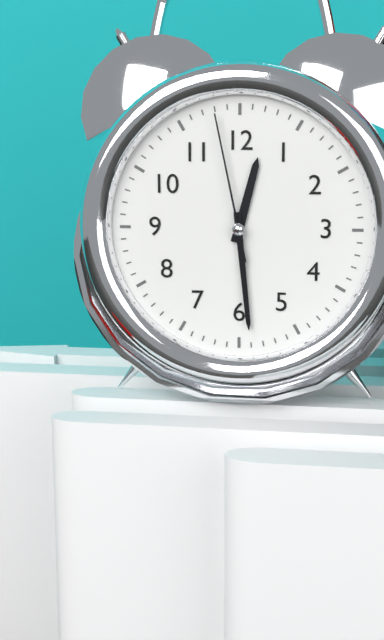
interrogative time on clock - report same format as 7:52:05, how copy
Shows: 12:29:58
